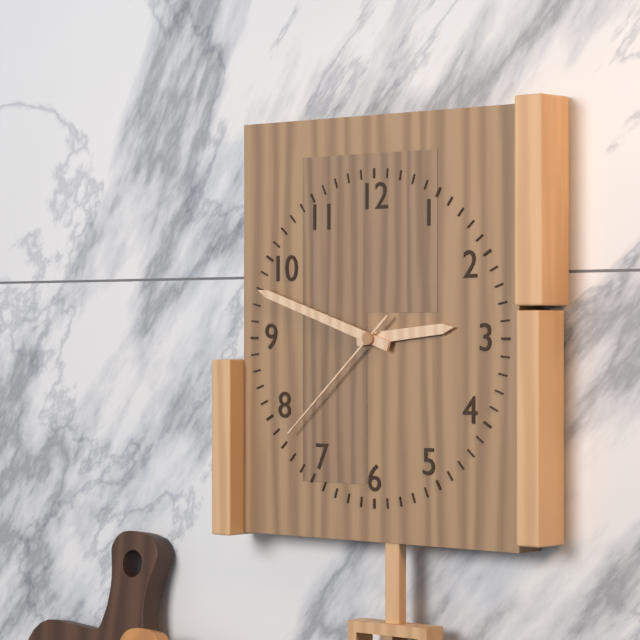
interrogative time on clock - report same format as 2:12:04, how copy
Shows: 2:48:38
